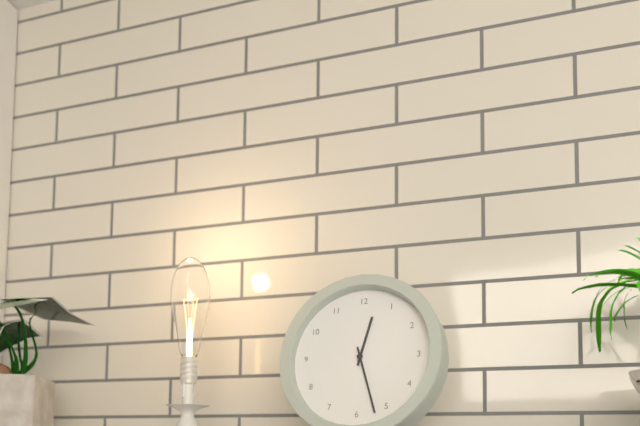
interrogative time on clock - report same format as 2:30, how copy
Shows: 12:27
